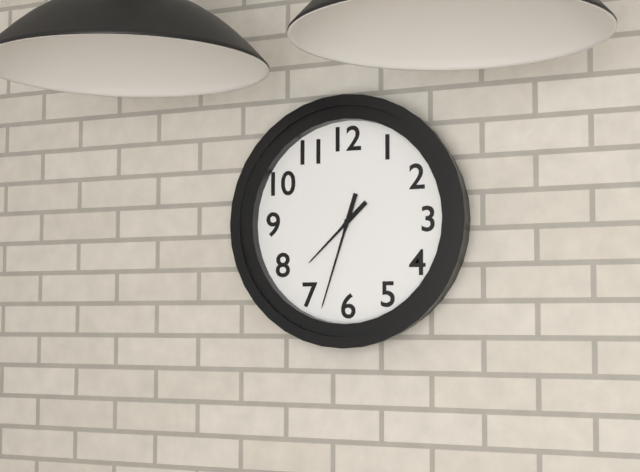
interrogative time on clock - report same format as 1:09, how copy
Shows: 7:33
